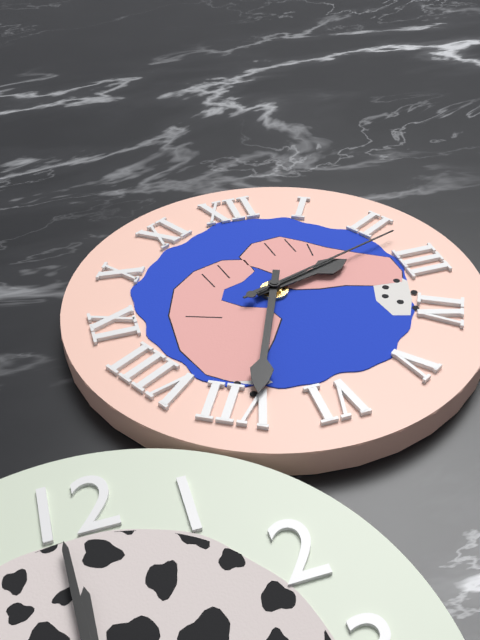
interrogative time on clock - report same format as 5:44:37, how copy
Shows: 2:34:12
